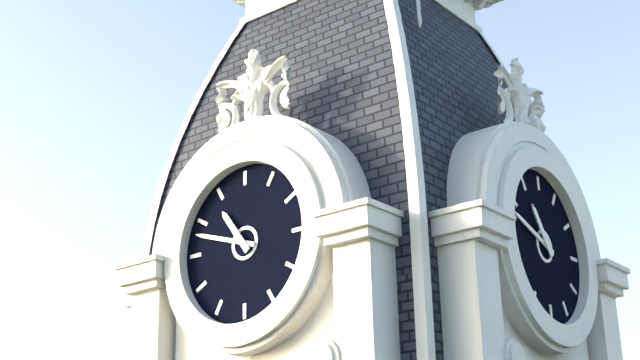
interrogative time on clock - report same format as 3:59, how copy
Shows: 10:48
